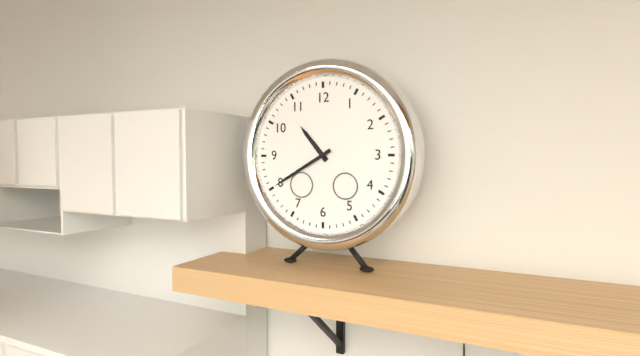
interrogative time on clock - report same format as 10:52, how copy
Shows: 10:40
